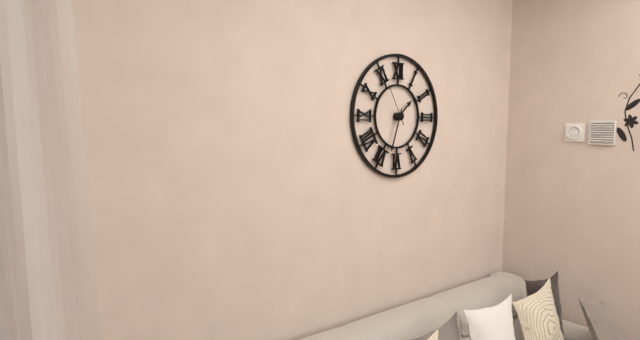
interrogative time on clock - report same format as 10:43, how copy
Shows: 1:33
